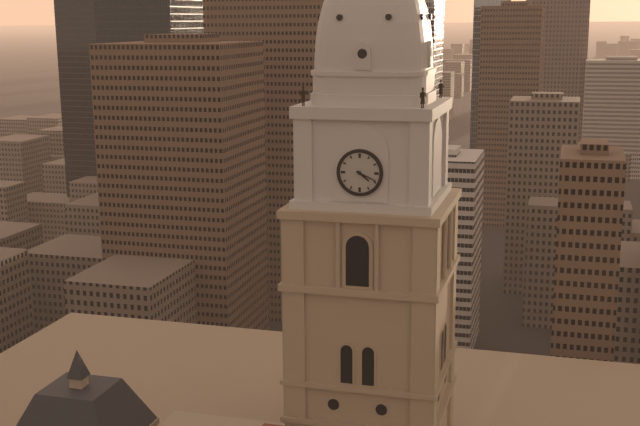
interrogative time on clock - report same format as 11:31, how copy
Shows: 4:19
